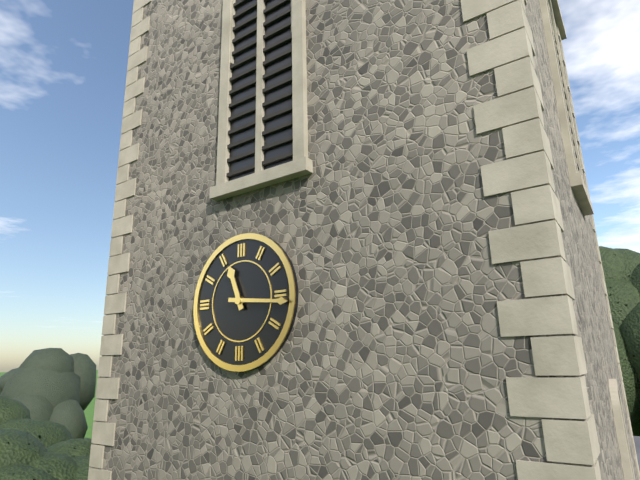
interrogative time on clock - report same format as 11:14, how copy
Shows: 11:16
